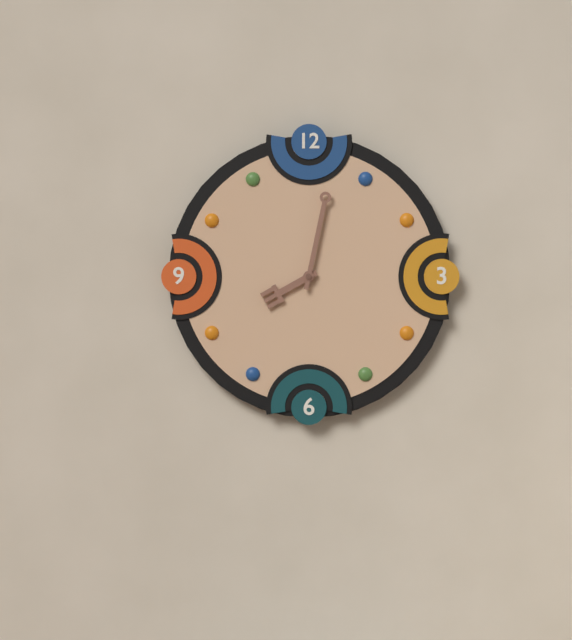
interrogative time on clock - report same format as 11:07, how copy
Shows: 8:02
